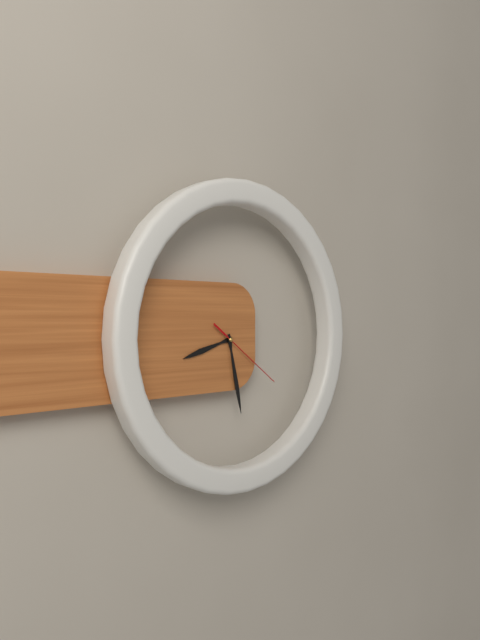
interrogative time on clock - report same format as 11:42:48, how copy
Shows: 8:28:21
